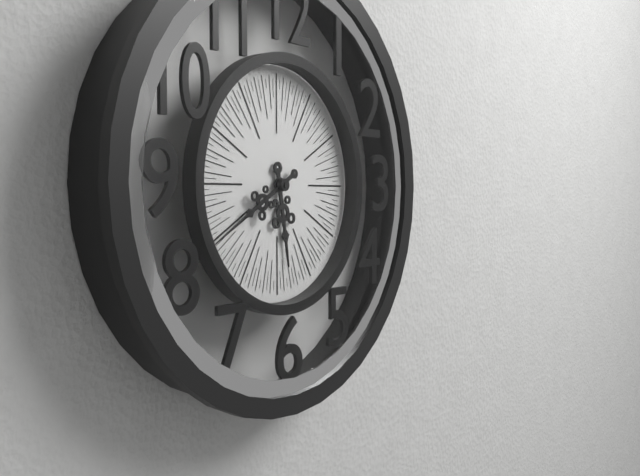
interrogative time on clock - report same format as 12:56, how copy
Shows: 5:40
